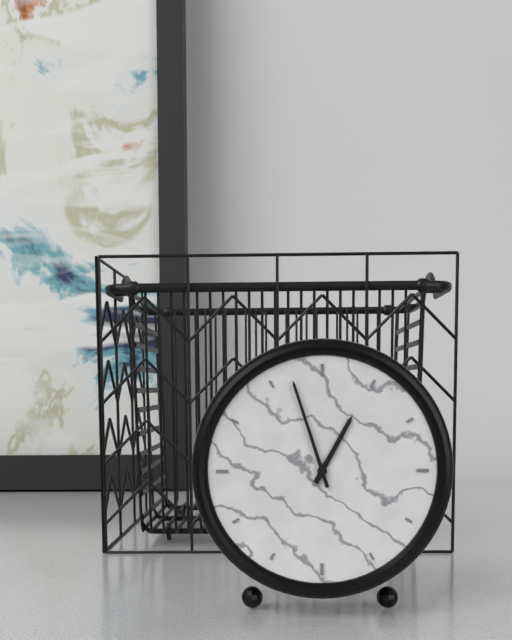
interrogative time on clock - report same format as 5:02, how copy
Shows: 12:57
